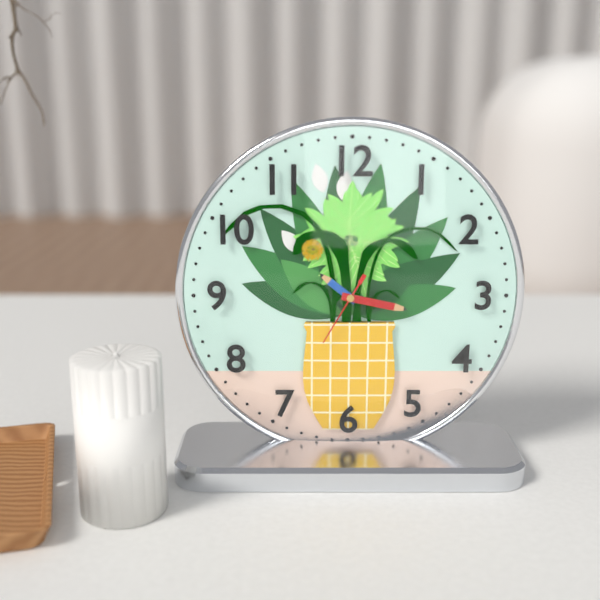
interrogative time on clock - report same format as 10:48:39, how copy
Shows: 10:17:35
